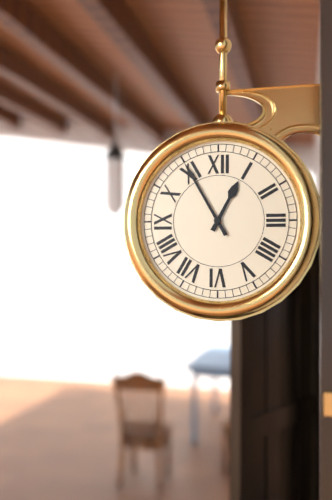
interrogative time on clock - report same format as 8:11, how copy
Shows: 12:55
